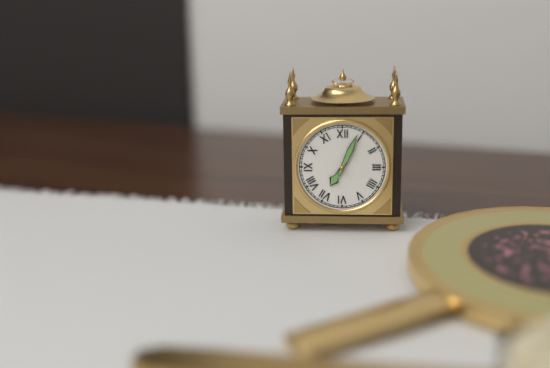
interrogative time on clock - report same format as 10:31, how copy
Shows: 7:04
